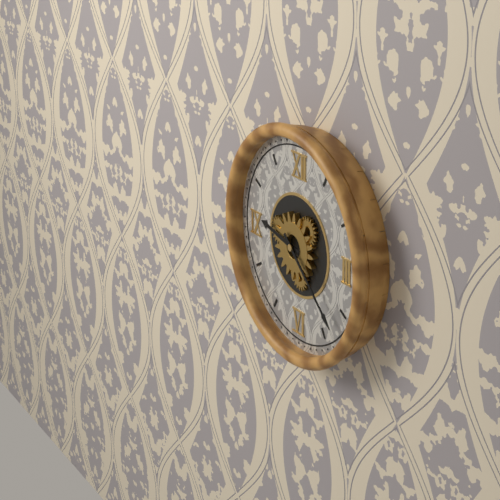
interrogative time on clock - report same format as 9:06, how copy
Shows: 9:22
